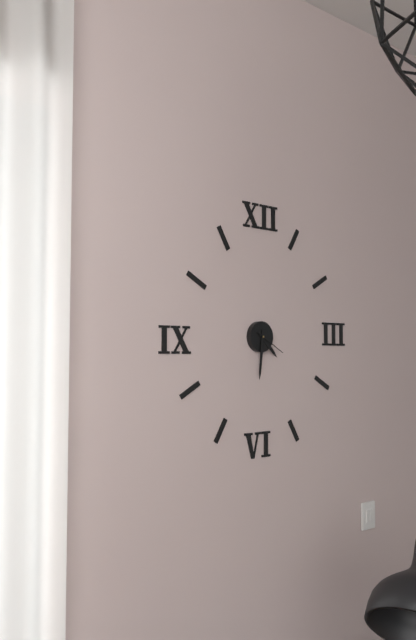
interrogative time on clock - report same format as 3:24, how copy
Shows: 4:31
